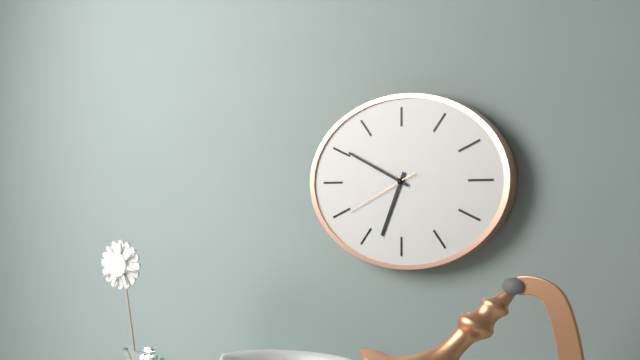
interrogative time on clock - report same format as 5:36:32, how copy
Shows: 6:49:41
